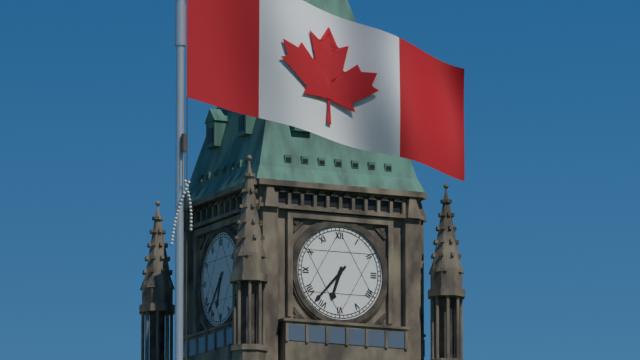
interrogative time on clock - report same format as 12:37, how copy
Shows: 6:37
